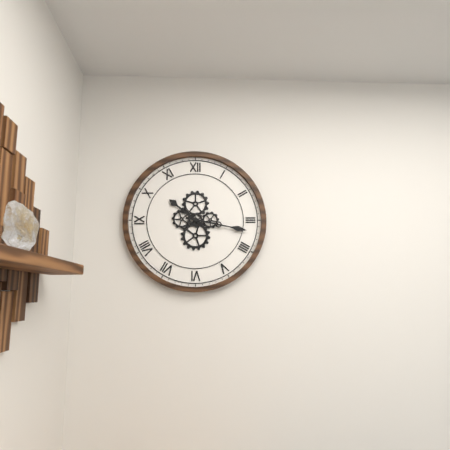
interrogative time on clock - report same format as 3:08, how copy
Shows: 10:17
